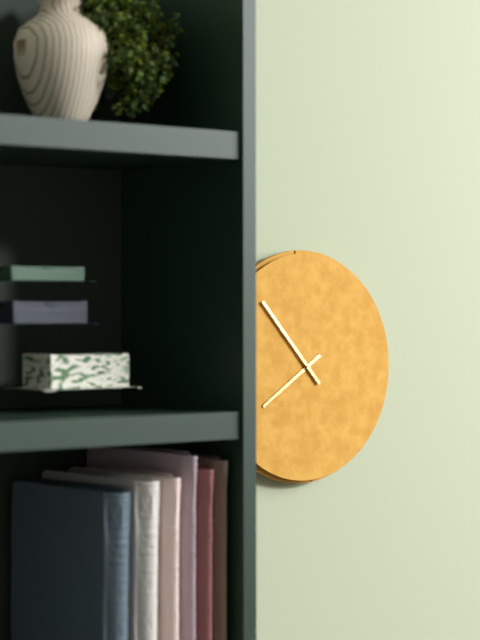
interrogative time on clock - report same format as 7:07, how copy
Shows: 7:53
